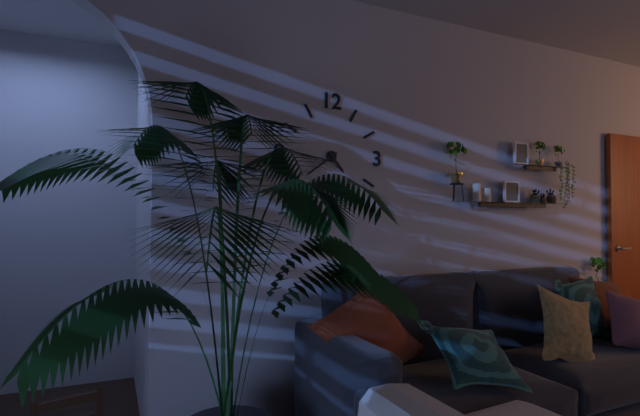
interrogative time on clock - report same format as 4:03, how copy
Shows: 4:39
